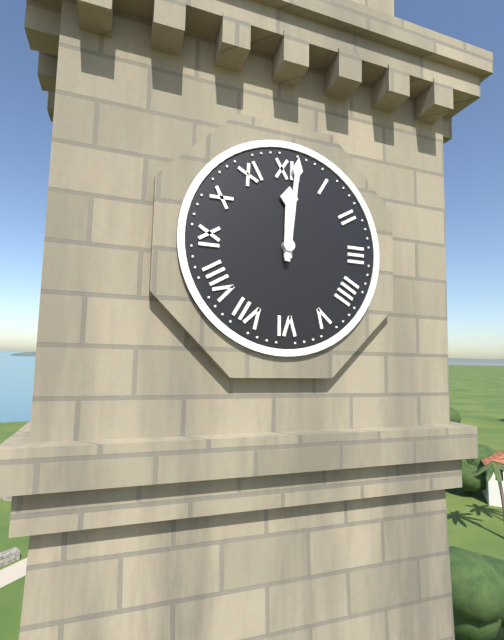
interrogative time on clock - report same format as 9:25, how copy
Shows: 12:01
